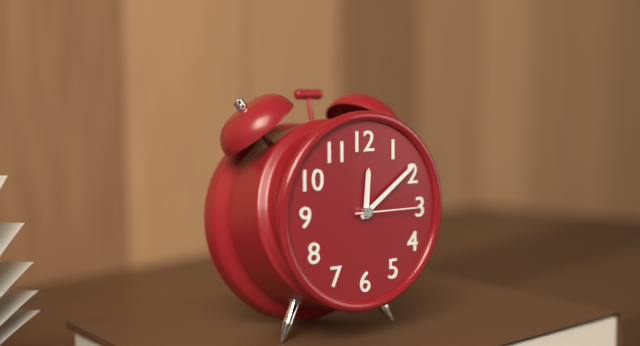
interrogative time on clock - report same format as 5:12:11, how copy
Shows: 12:09:15
